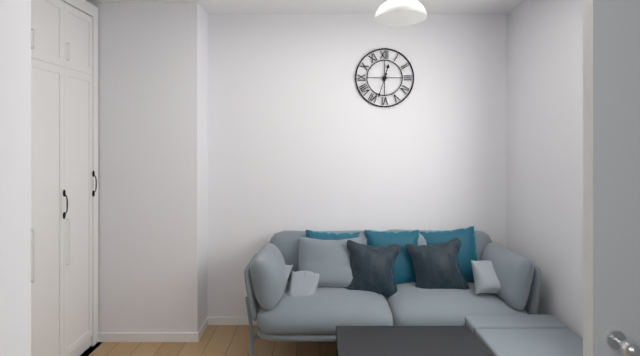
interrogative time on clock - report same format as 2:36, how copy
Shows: 12:33
